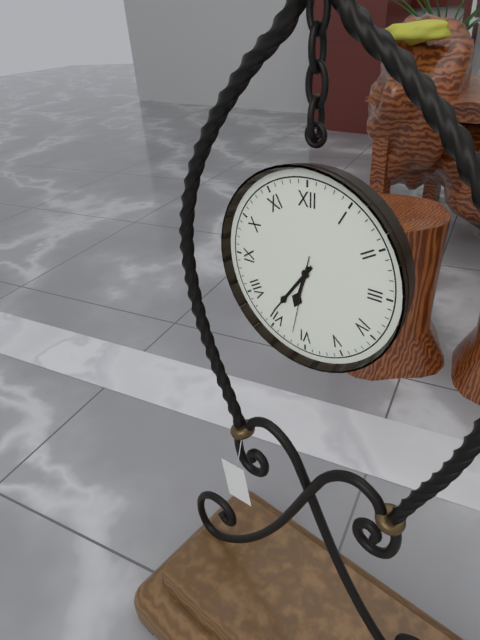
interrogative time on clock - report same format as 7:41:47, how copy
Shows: 6:36:32
